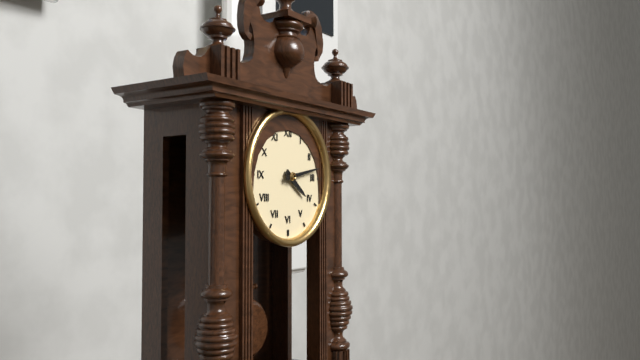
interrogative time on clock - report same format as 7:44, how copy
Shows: 4:13
